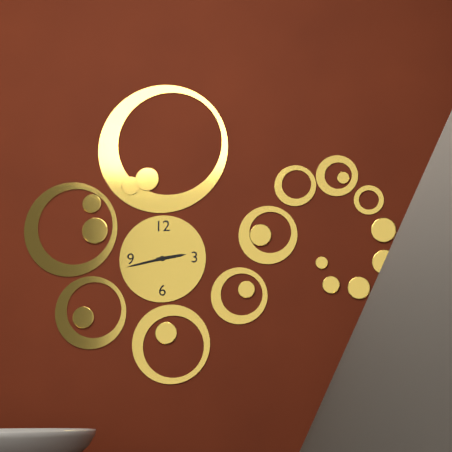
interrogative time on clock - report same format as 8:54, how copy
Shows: 2:43
